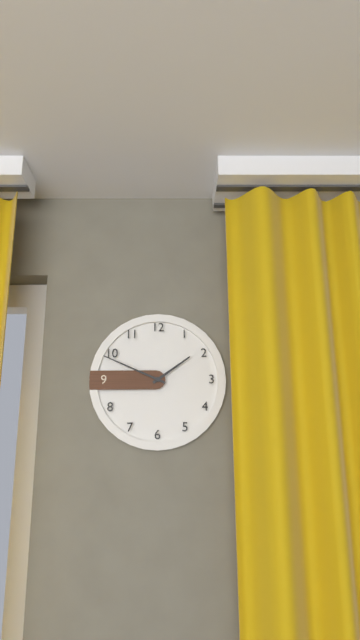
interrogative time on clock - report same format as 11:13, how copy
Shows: 1:49
